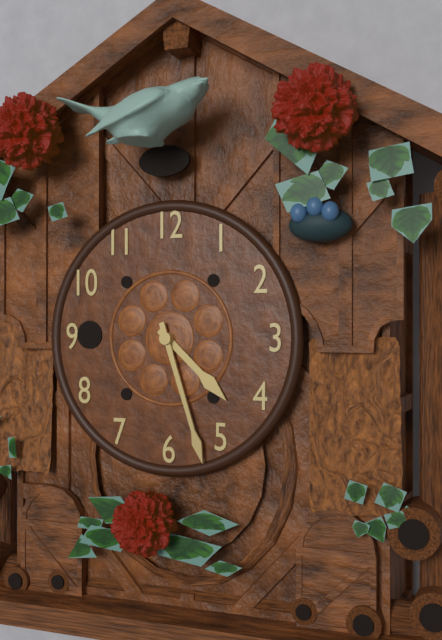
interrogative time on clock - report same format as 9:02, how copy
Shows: 4:27
